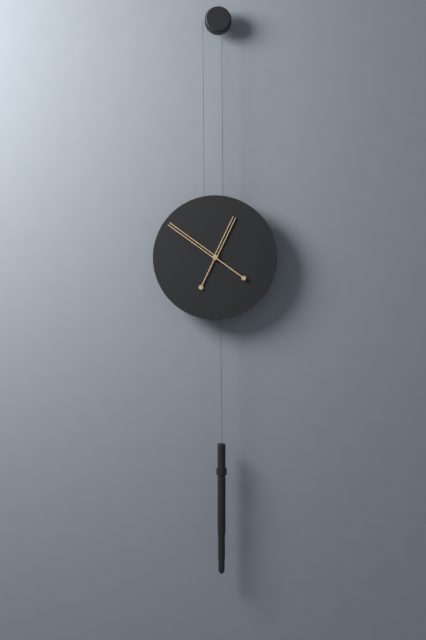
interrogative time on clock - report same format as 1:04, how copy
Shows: 12:51
